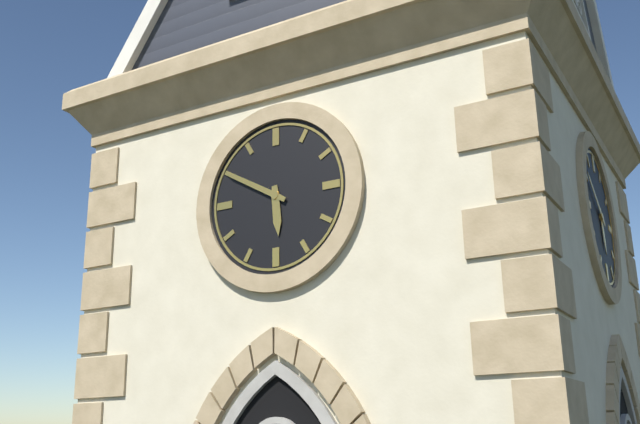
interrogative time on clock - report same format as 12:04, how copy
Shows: 5:50
